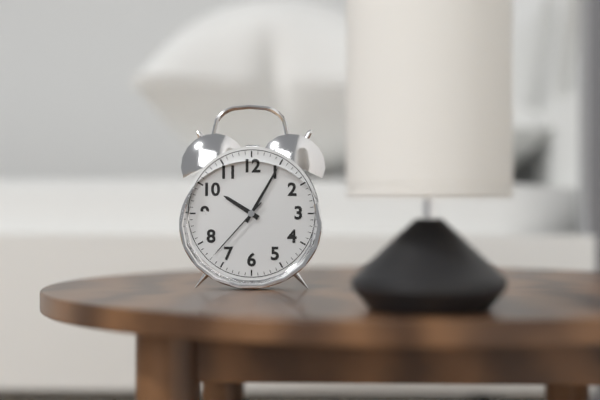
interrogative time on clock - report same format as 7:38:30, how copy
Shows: 10:05:37
